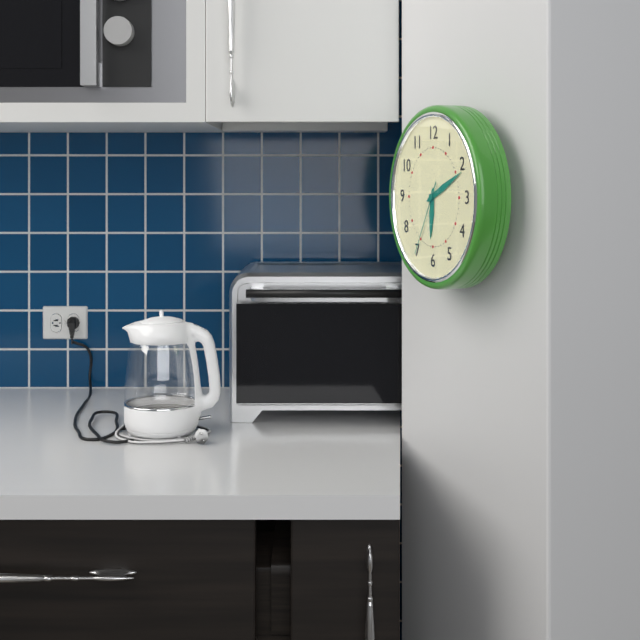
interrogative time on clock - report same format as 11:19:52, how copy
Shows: 6:11:35
